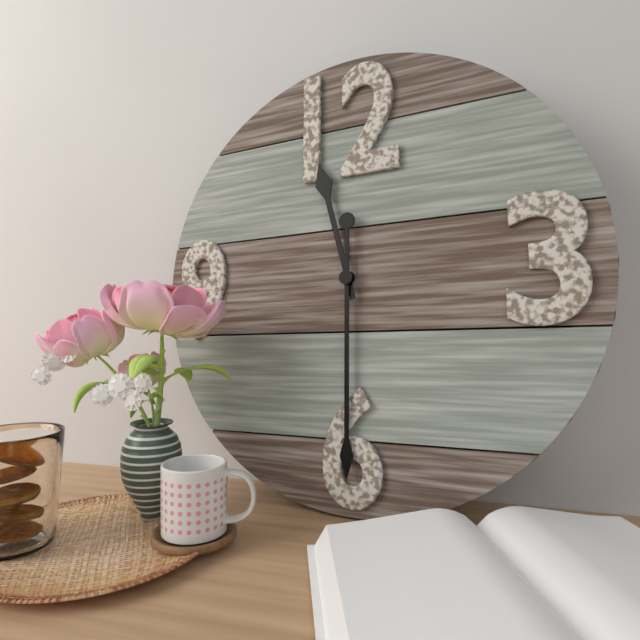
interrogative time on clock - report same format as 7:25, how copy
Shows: 11:30
